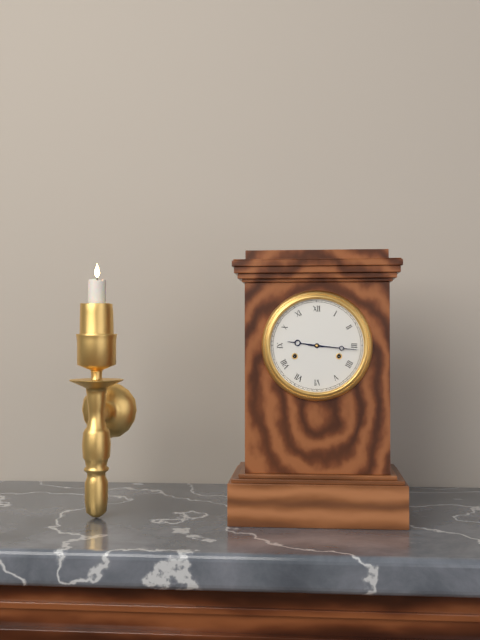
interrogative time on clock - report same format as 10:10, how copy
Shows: 9:16
